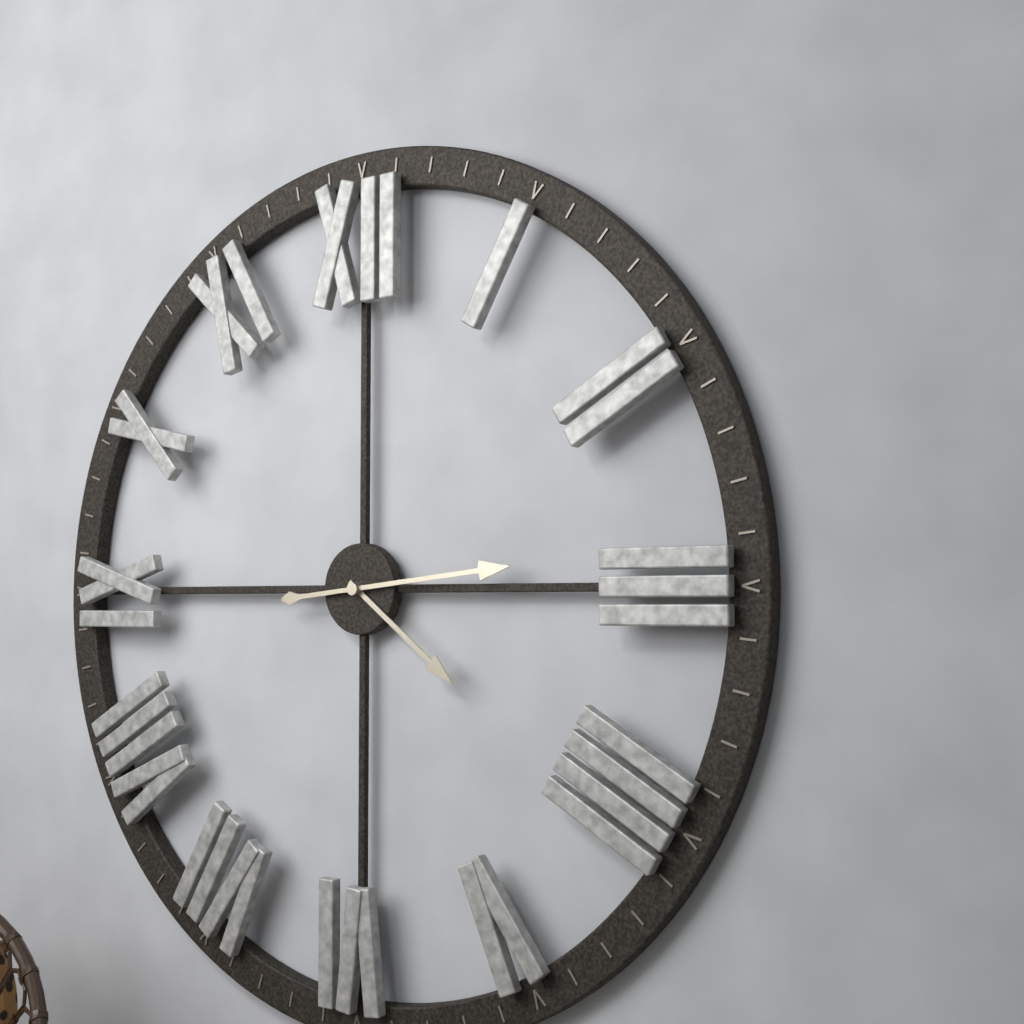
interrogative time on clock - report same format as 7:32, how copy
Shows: 4:14
